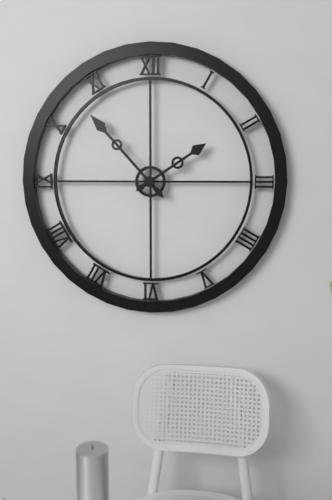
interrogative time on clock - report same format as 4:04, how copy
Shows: 1:53
